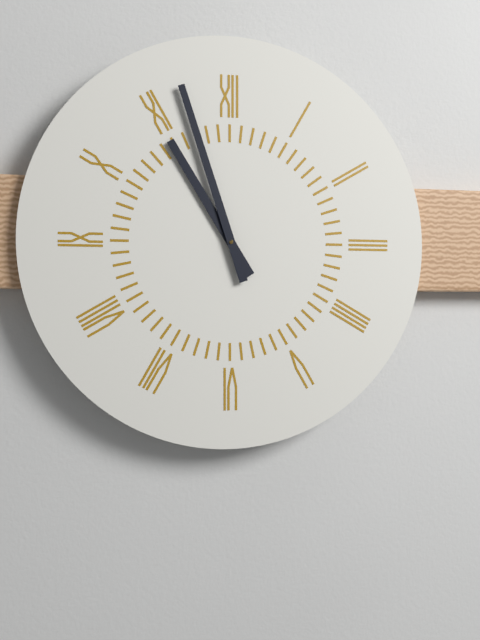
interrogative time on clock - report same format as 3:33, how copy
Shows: 10:57
